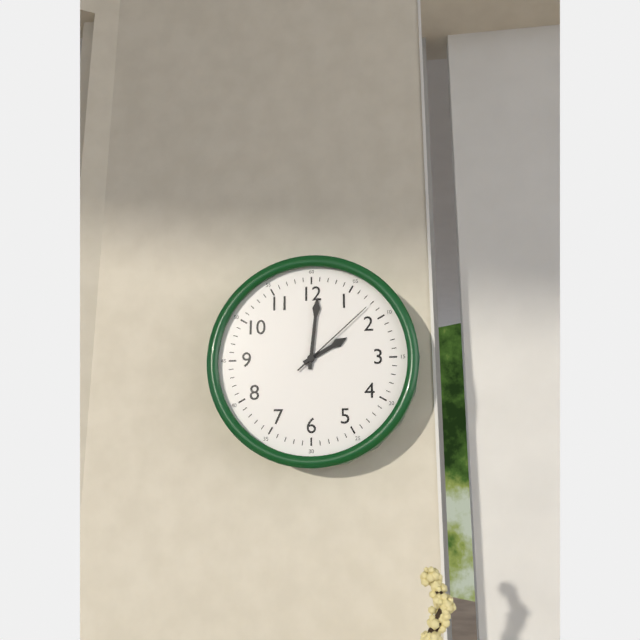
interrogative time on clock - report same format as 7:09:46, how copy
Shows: 2:01:08
